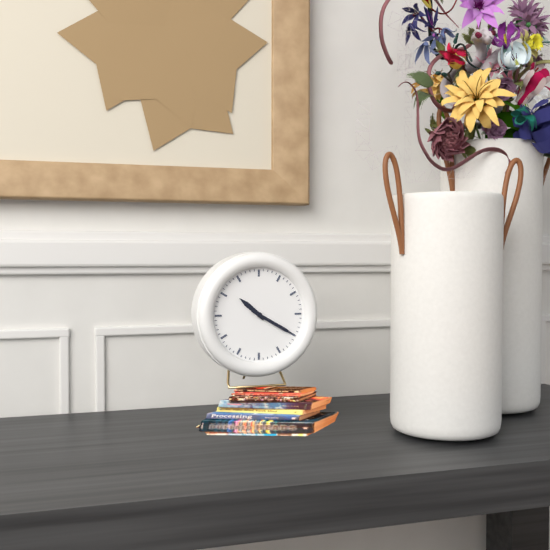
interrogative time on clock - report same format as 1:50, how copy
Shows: 10:20
